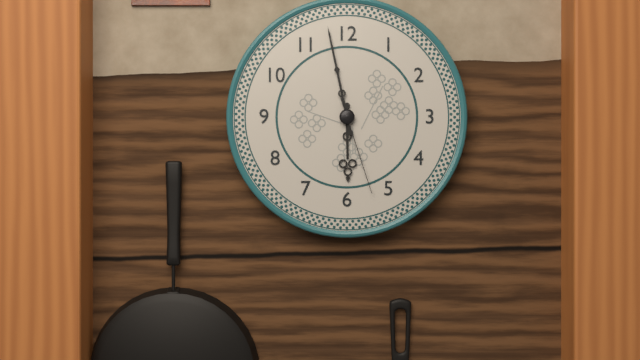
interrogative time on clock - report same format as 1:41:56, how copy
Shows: 5:58:27
